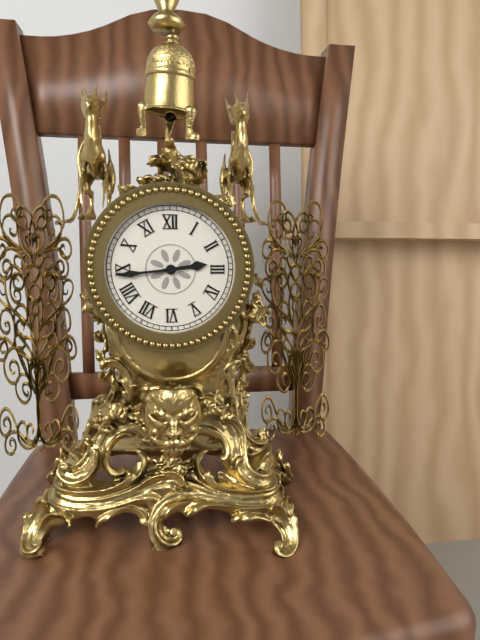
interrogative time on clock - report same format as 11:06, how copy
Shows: 2:44
